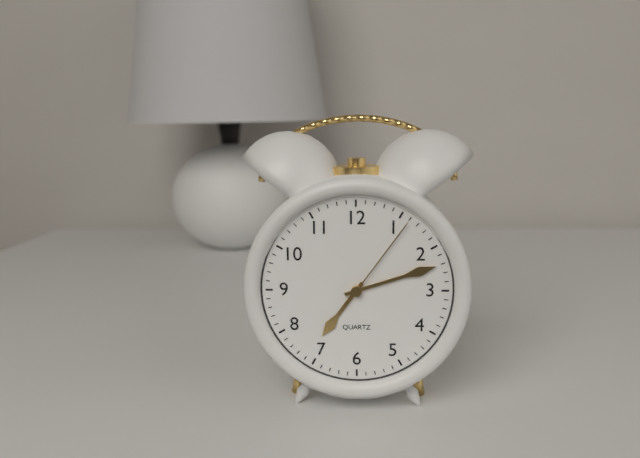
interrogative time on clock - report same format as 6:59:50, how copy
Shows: 7:12:06
